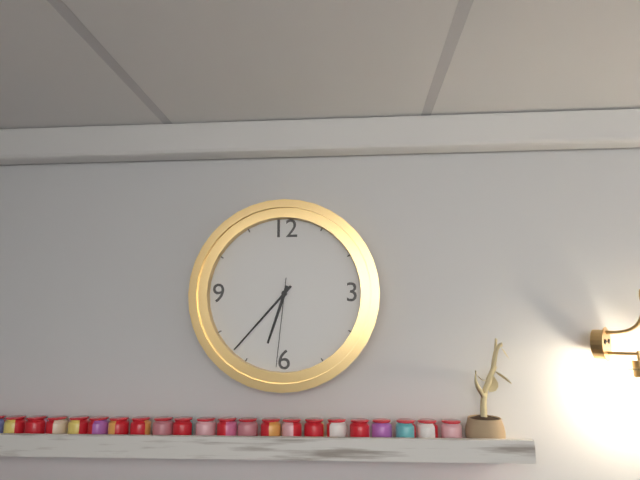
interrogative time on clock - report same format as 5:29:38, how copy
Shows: 6:37:31
